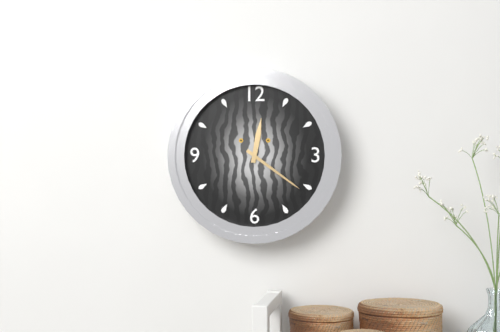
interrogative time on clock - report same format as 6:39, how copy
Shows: 12:21
